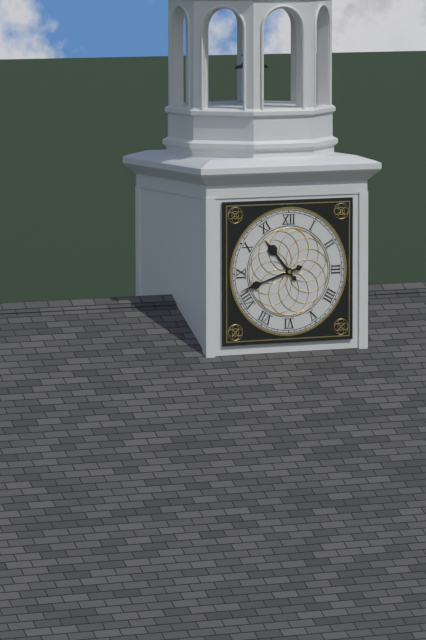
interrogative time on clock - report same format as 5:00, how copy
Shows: 10:42
